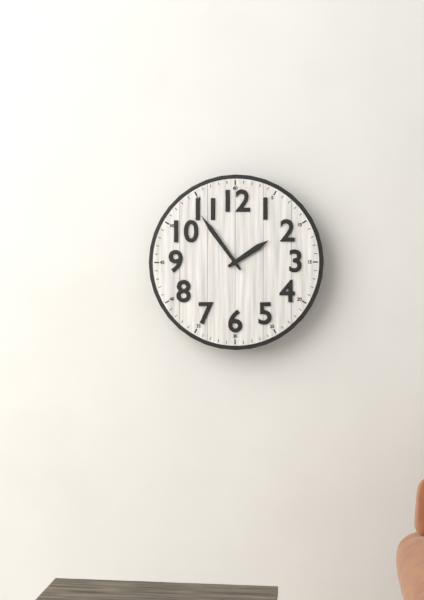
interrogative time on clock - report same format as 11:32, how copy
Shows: 1:54
